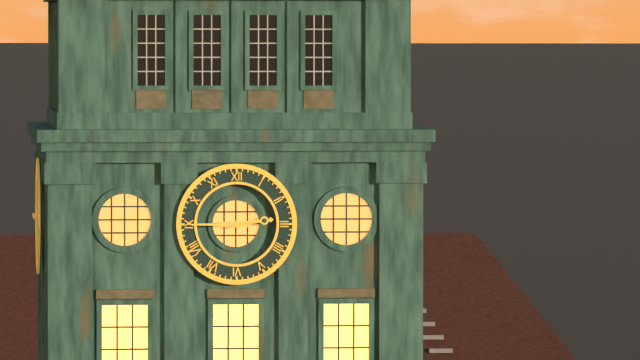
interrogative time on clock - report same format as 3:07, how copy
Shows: 2:45
